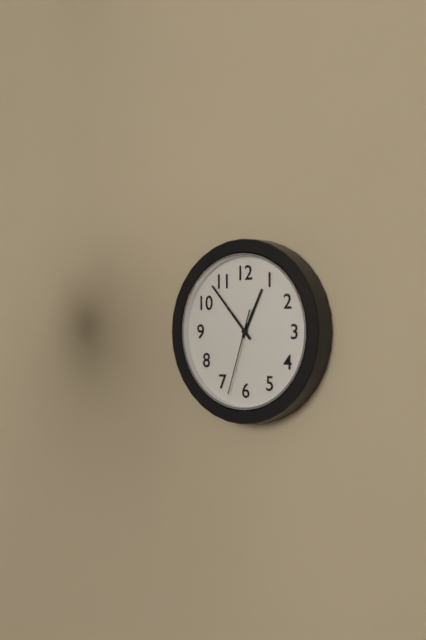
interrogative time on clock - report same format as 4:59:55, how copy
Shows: 12:53:33
